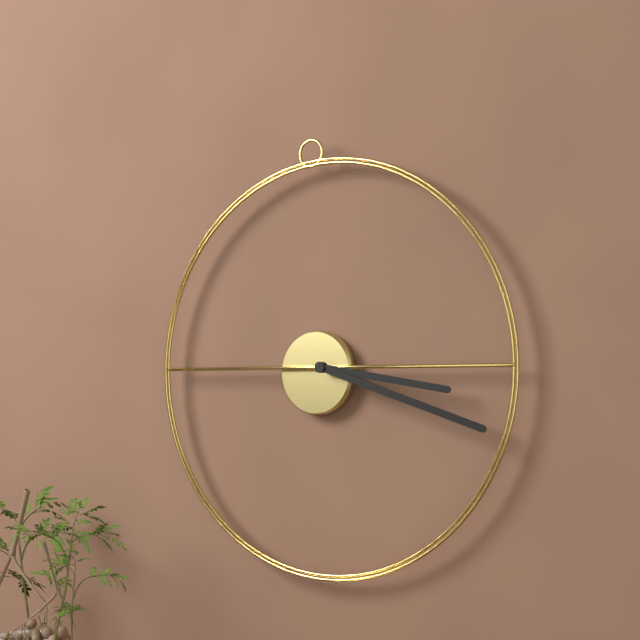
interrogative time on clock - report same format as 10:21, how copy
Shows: 3:18
